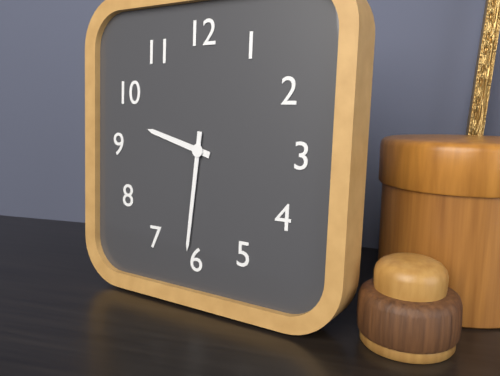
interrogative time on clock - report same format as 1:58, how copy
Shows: 9:31
